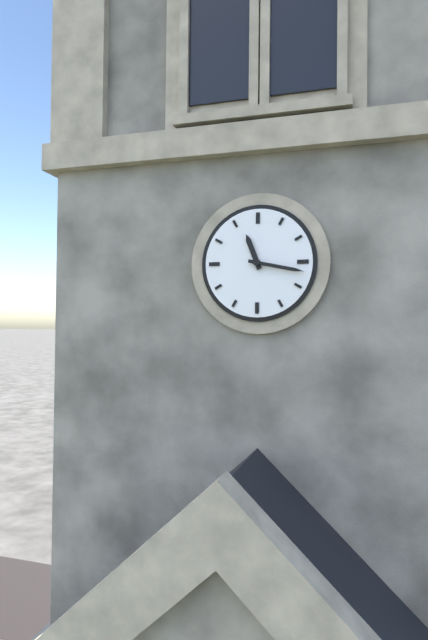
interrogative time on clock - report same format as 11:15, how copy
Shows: 11:17
